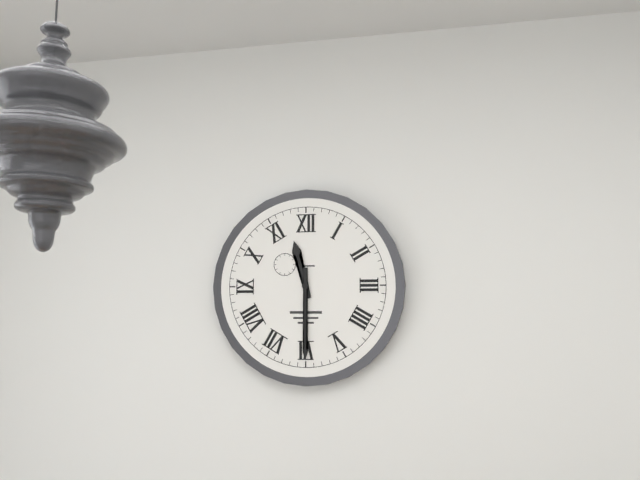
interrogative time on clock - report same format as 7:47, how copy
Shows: 11:30
